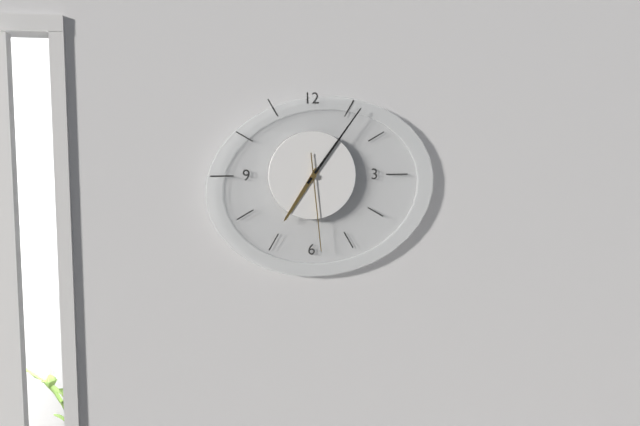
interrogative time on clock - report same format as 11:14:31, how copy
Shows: 7:06:29
